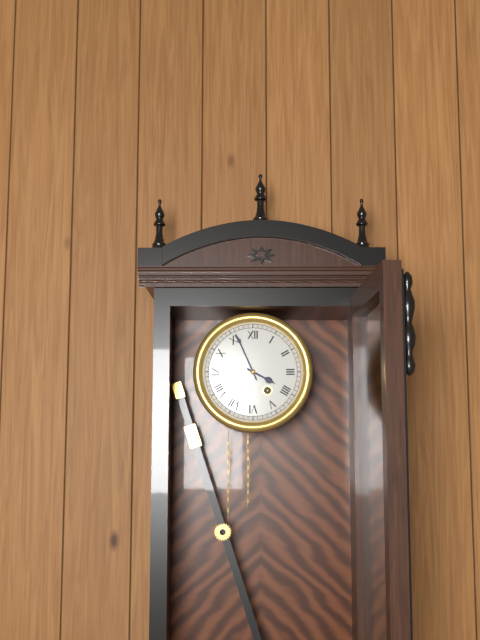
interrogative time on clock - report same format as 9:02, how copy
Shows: 3:56
